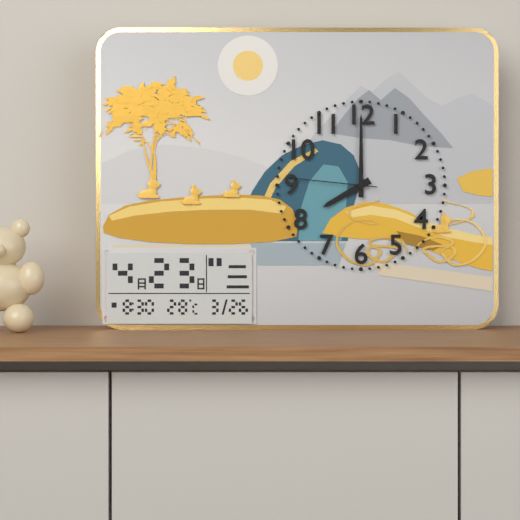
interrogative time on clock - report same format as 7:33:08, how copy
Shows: 8:00:46
